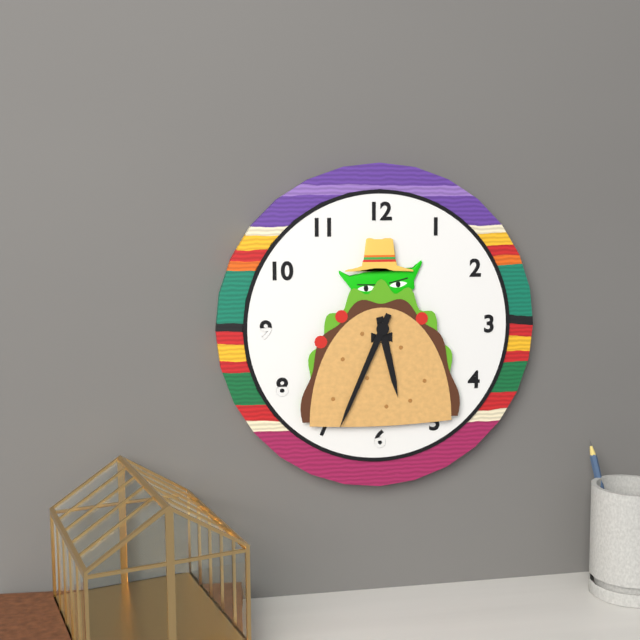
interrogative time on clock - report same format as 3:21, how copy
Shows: 5:34
